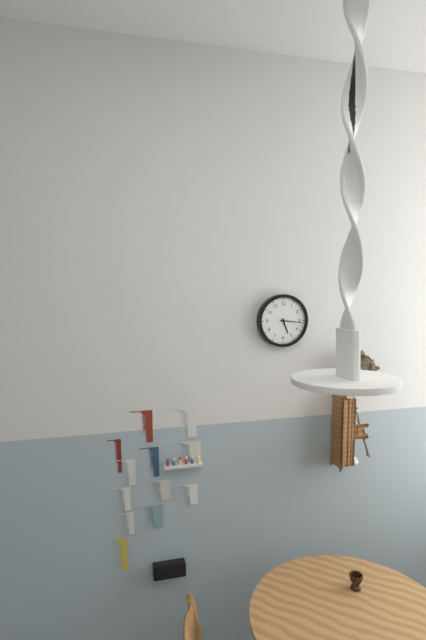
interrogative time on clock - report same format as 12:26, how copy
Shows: 5:16
